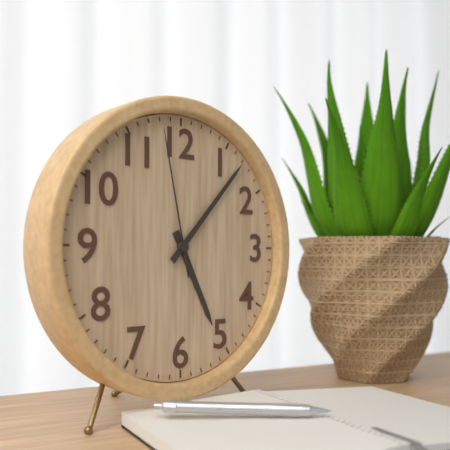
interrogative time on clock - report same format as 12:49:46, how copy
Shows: 5:07:58
